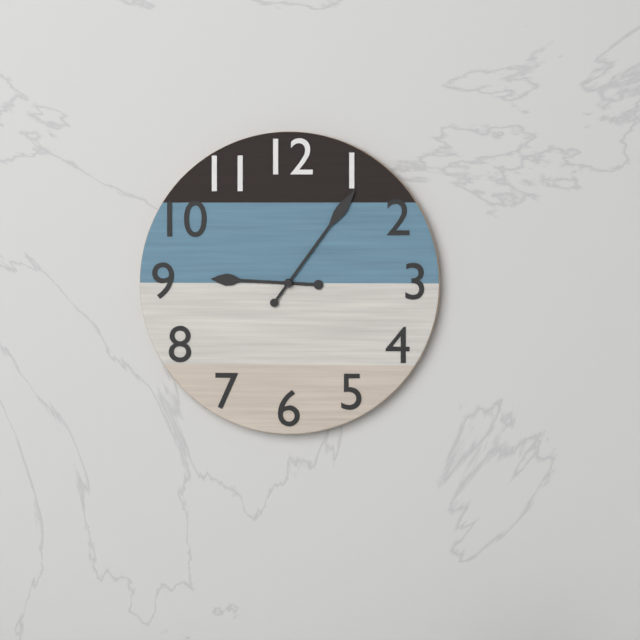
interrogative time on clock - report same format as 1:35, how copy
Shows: 9:06
